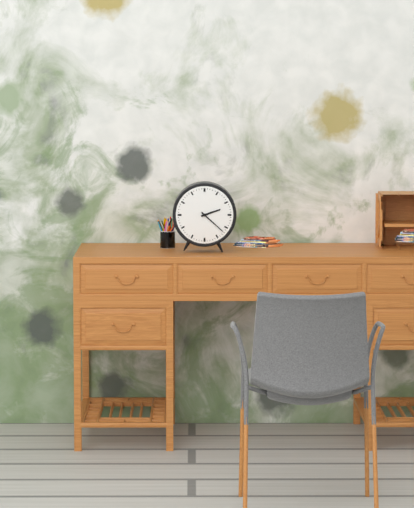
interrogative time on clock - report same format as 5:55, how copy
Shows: 2:22
